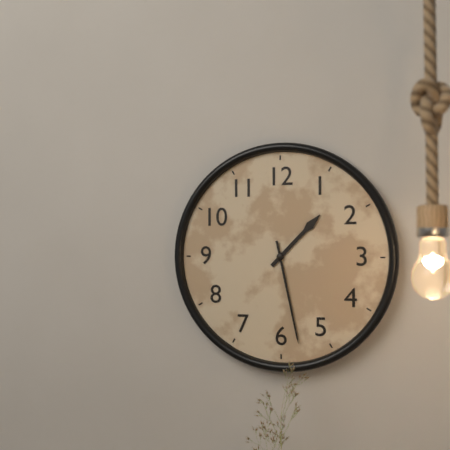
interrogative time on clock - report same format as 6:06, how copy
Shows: 1:28
